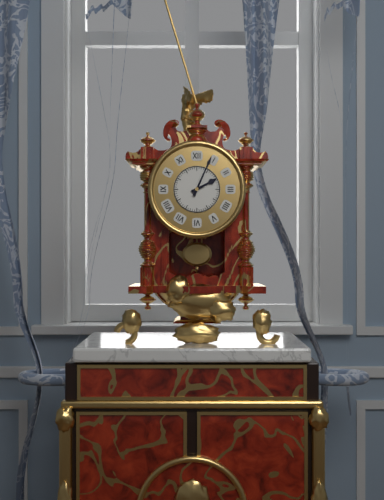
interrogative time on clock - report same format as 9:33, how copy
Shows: 2:04
